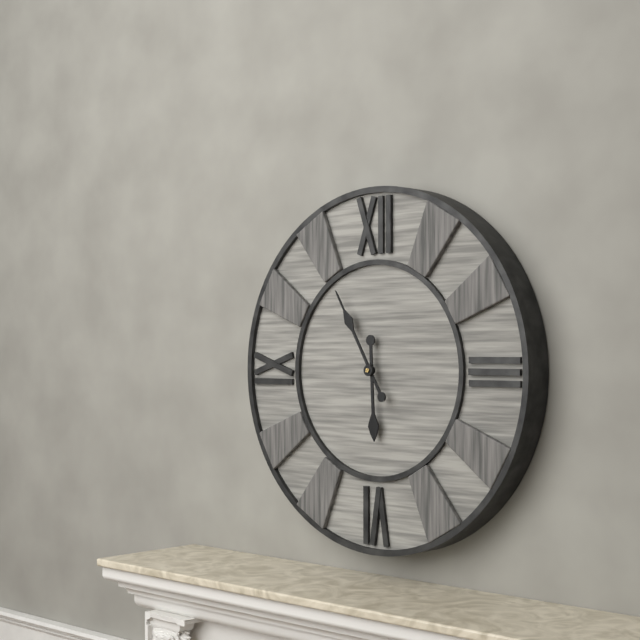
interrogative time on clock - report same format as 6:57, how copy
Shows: 5:55
